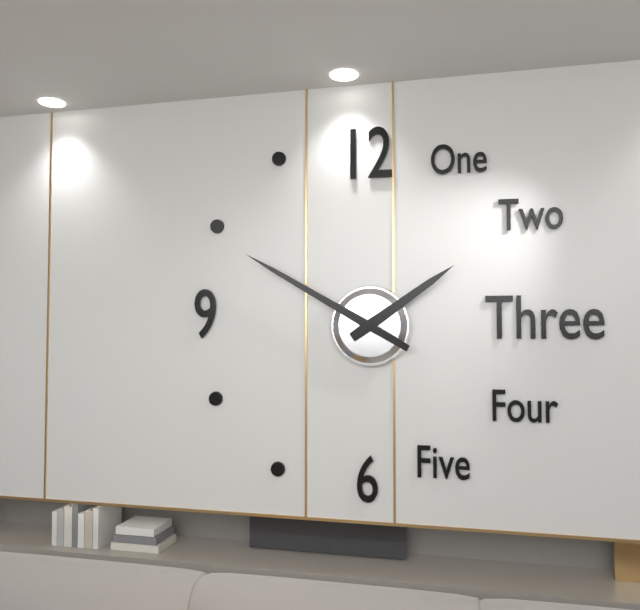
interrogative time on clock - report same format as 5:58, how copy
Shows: 1:50
